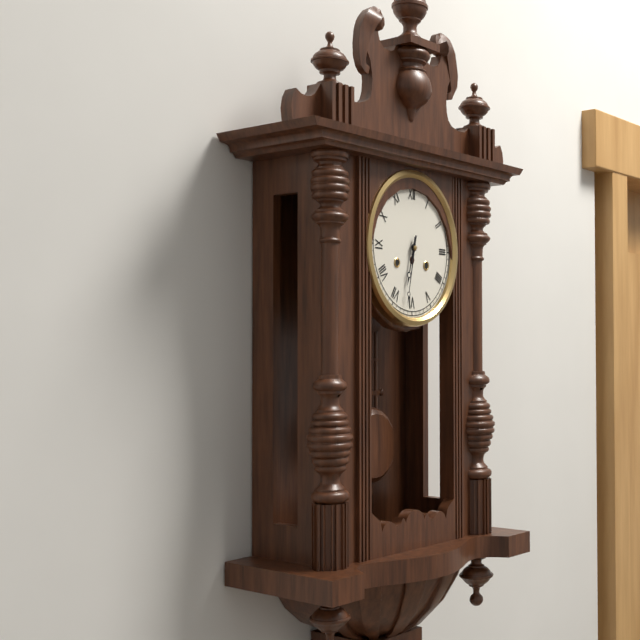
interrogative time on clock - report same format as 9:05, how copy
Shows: 6:32
